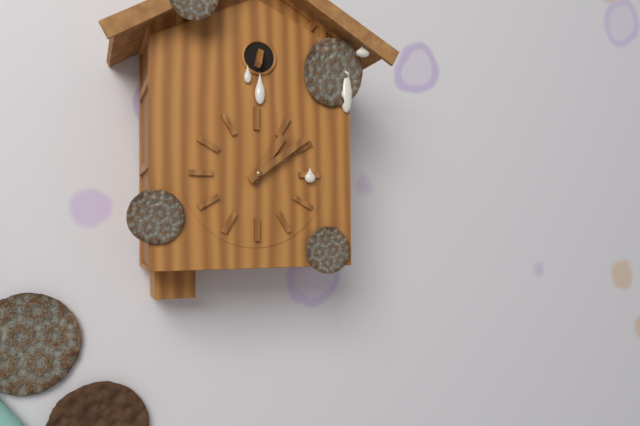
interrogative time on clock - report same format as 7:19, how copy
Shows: 1:09
